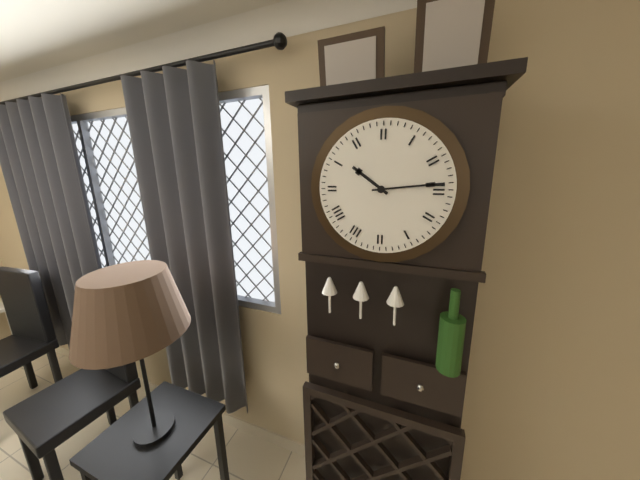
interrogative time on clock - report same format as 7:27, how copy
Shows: 10:14
